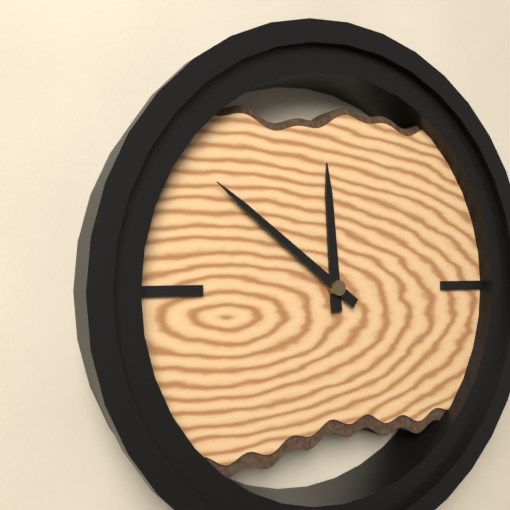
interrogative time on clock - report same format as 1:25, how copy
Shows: 11:51
